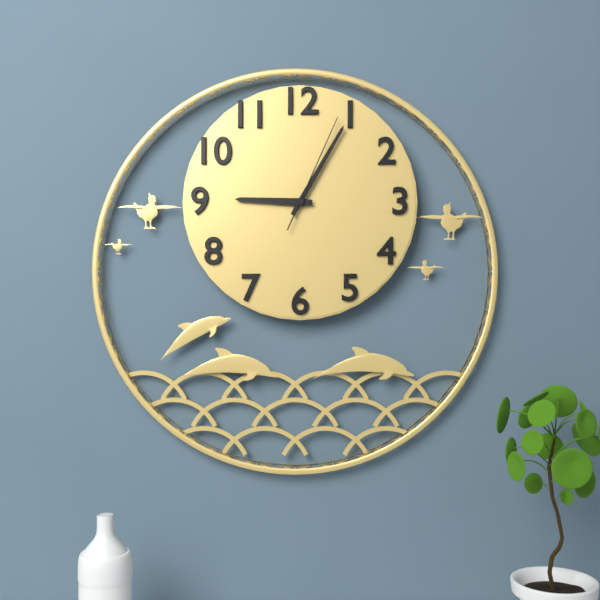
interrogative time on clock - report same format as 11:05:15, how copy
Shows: 9:05:04
